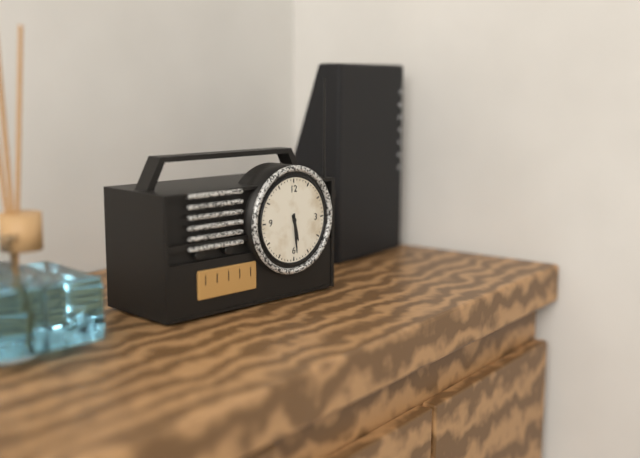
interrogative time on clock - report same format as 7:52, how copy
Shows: 5:29
